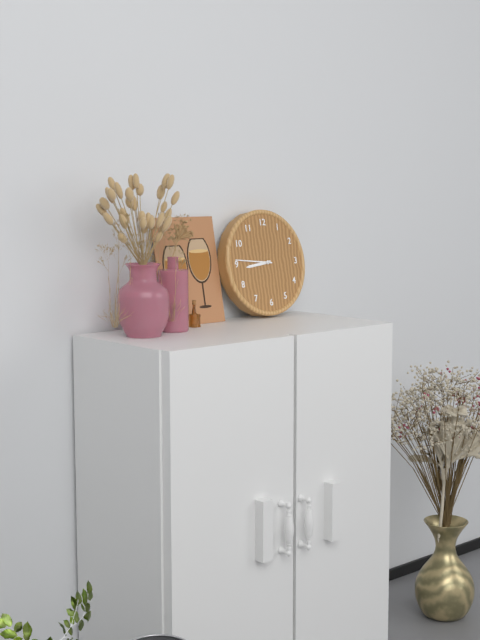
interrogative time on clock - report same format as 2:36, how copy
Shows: 8:46
